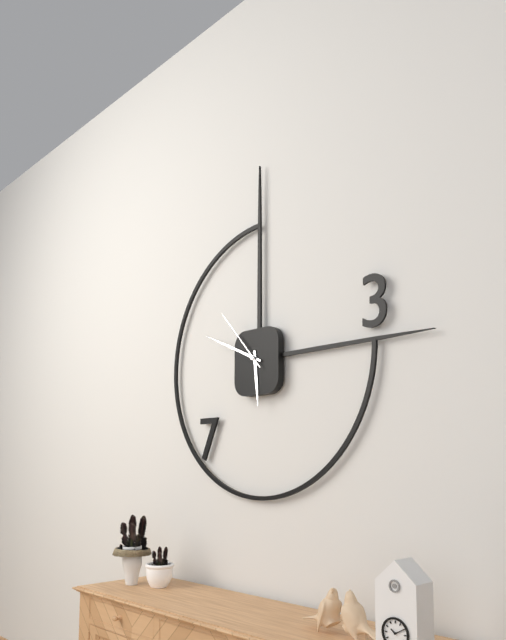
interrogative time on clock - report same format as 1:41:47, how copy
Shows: 5:49:53
